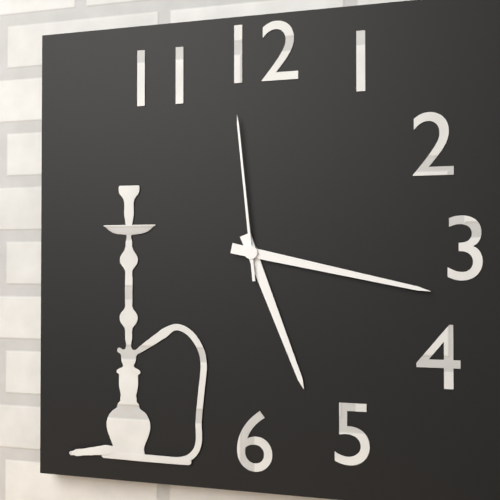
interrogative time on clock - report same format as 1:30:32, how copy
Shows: 5:17:59
